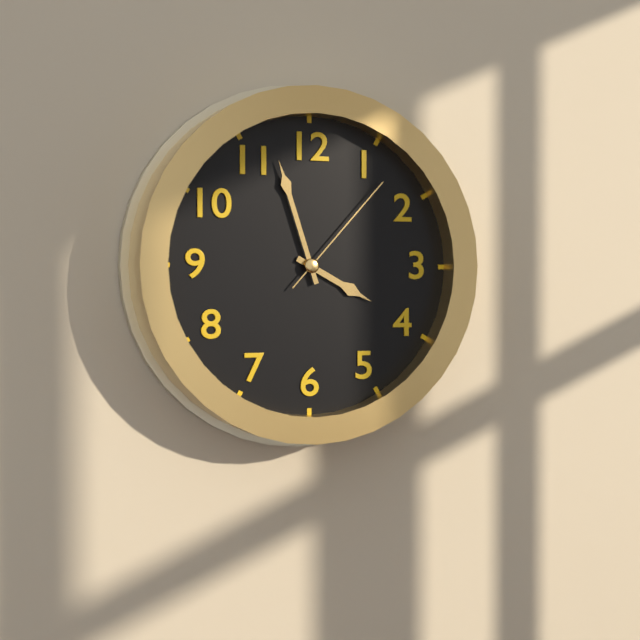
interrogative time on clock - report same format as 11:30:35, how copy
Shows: 3:57:07
